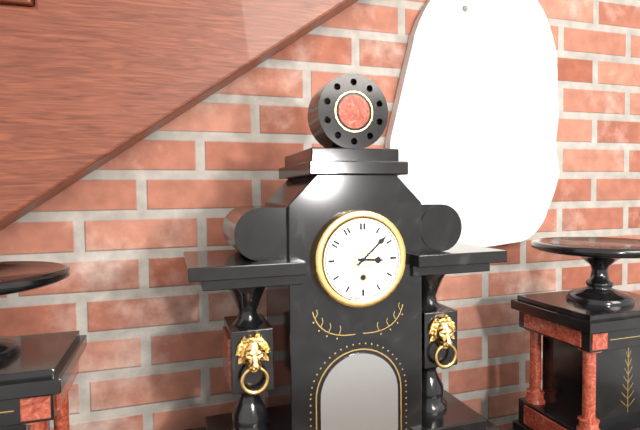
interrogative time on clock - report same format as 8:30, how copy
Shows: 3:08
